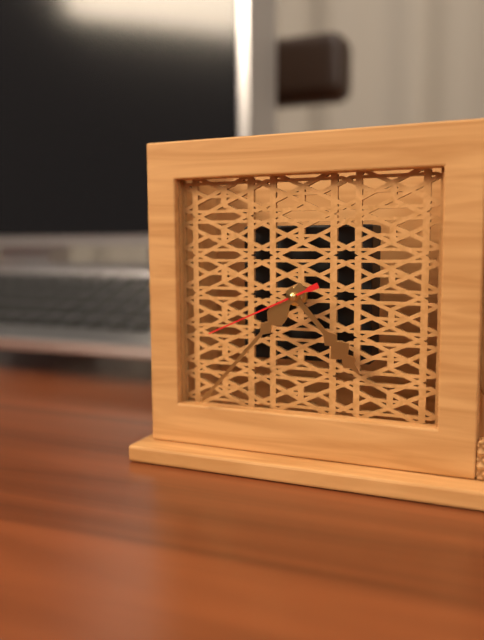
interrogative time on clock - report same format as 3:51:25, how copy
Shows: 4:37:41
